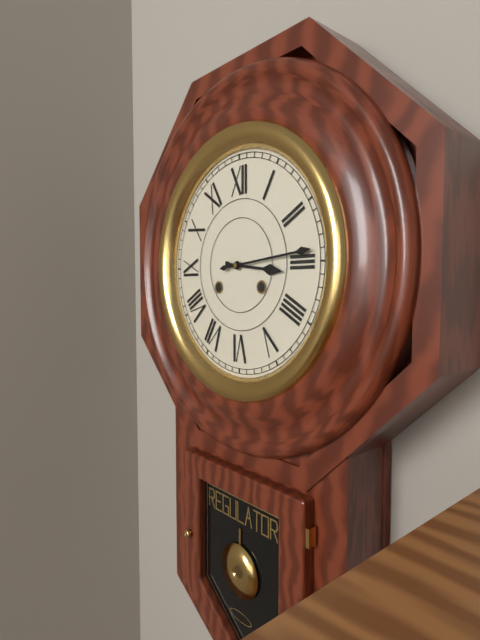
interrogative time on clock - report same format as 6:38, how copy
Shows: 3:14
